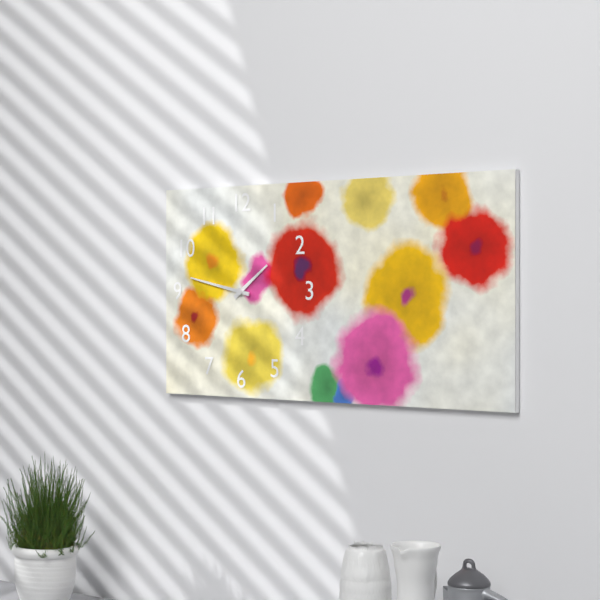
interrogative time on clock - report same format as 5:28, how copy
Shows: 1:47
